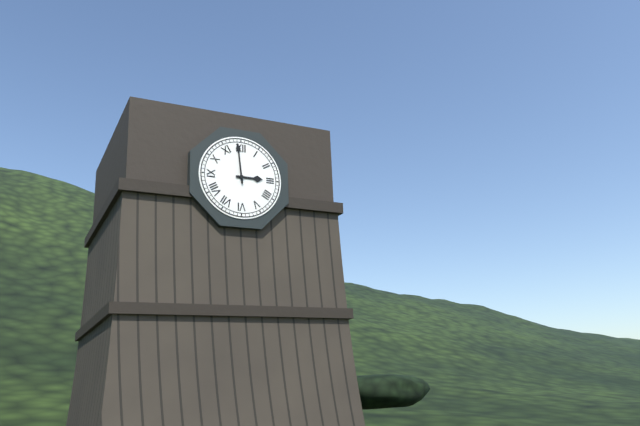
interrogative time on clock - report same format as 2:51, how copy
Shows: 2:59
